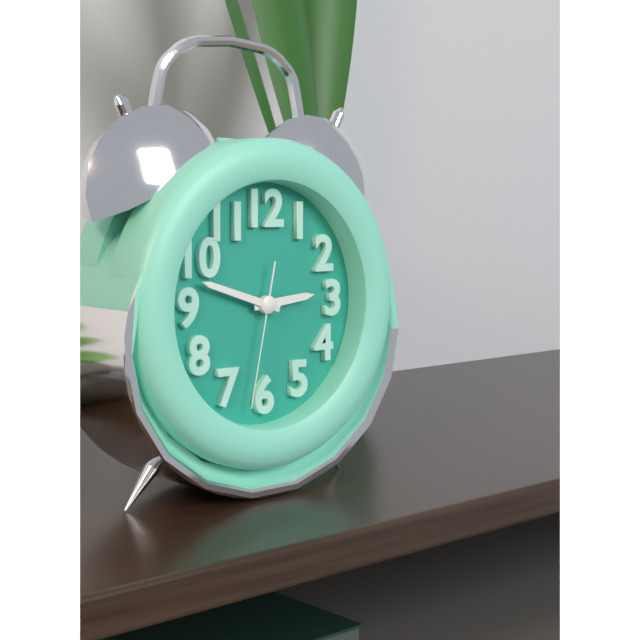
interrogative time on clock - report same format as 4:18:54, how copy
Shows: 2:48:32
